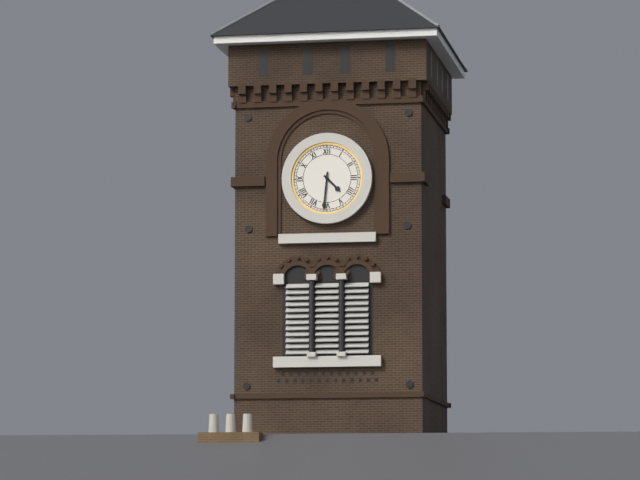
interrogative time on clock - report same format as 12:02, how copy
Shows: 4:31
